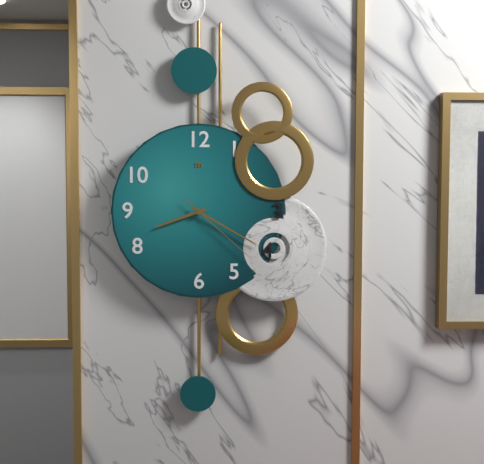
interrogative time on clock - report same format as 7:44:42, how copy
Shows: 8:20:22
